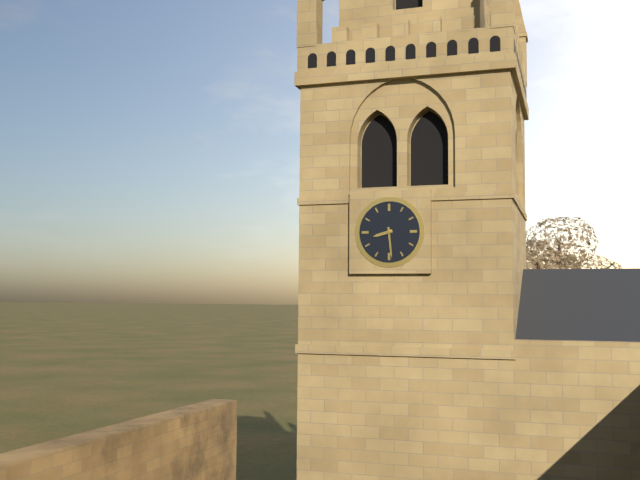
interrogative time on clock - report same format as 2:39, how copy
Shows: 8:29
